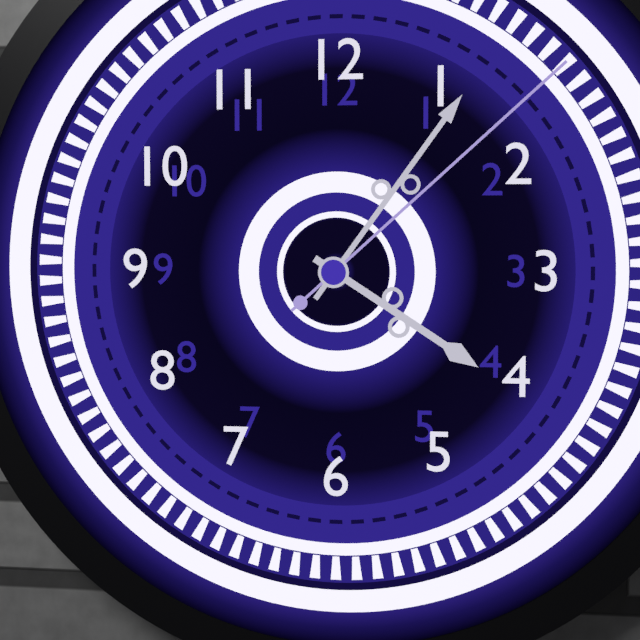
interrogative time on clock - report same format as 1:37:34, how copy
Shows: 4:06:08
